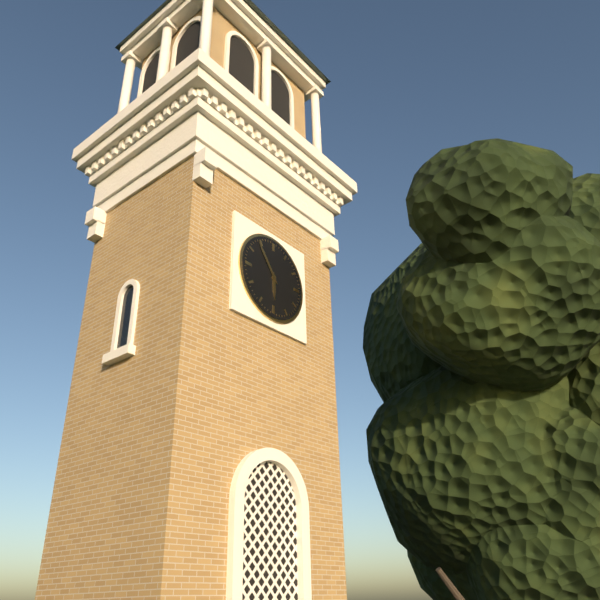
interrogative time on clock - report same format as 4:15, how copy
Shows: 5:54
